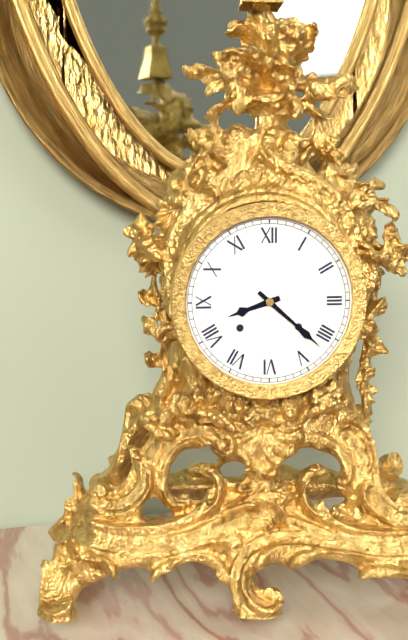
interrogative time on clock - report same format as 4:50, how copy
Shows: 8:22
